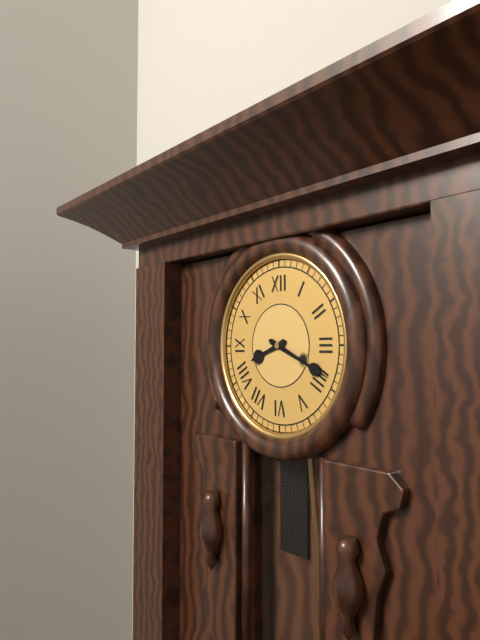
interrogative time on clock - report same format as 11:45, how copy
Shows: 8:19
